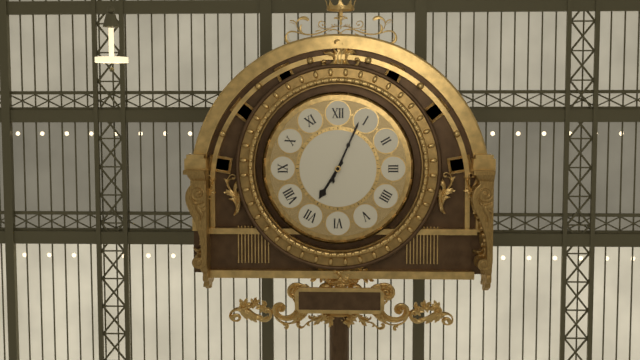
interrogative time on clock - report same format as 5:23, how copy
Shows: 7:04
